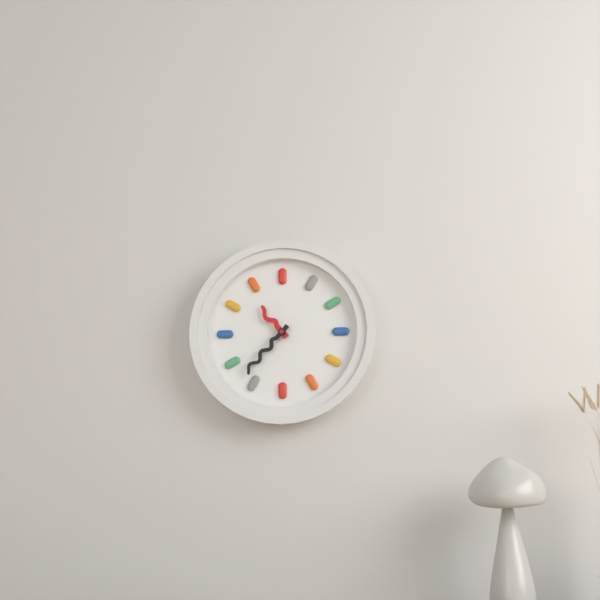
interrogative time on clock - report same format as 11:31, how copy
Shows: 10:37
